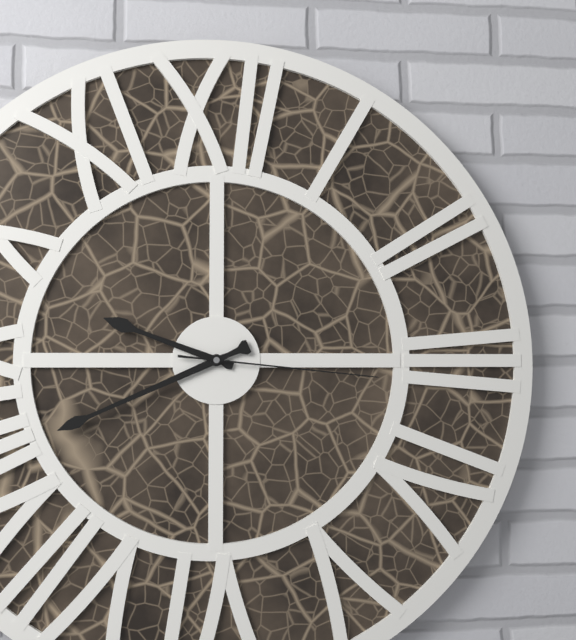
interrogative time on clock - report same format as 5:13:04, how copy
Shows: 9:41:16
